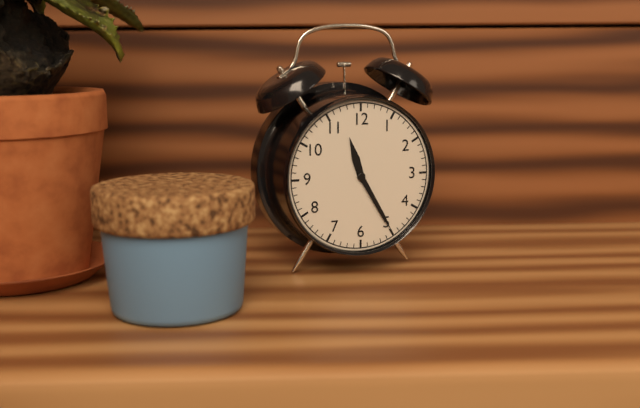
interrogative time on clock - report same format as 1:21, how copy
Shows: 11:25
